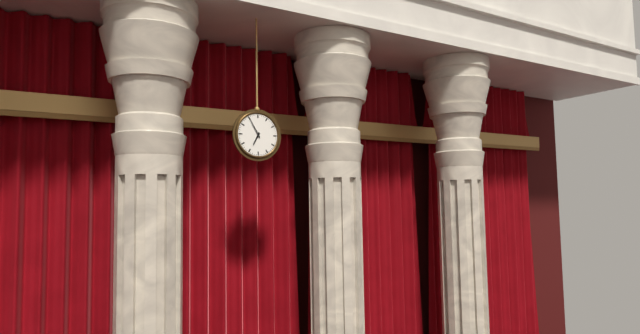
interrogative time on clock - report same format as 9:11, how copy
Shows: 6:55
